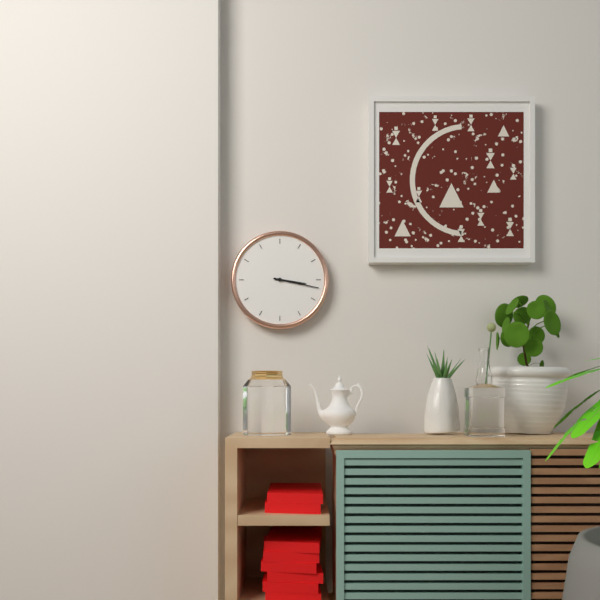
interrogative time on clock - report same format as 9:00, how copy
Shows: 3:17
